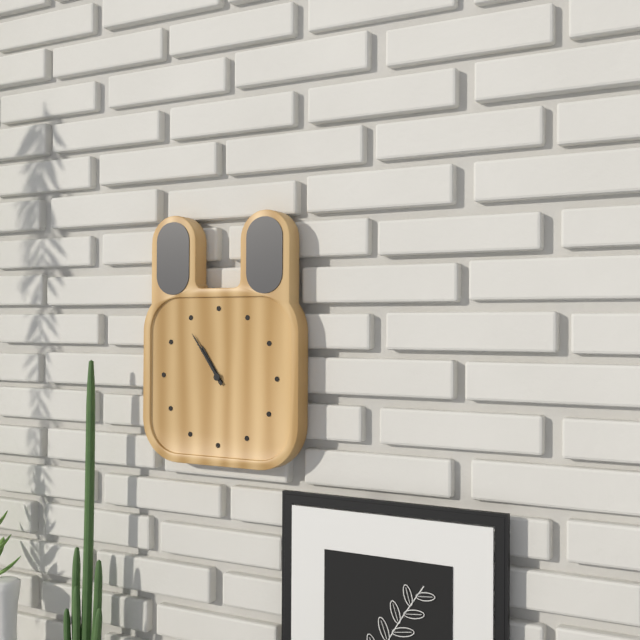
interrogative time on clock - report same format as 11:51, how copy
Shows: 10:54
